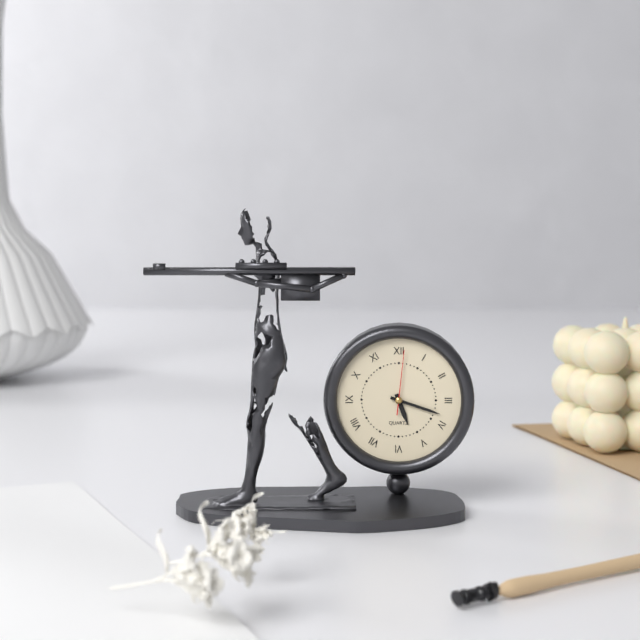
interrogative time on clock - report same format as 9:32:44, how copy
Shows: 5:18:01
